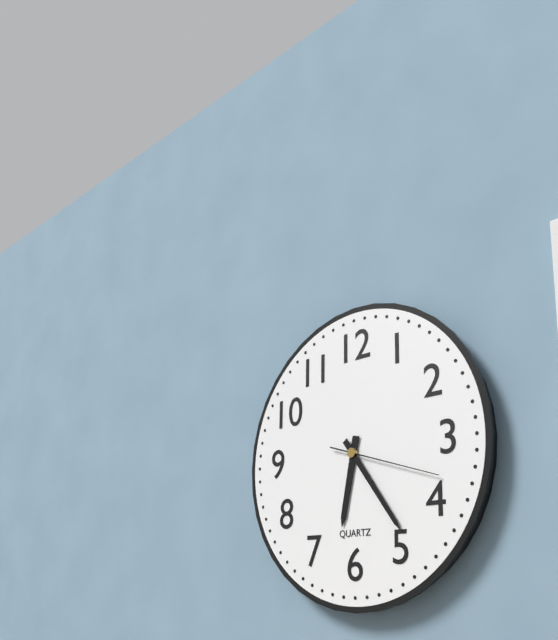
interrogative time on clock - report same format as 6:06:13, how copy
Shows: 6:24:18
